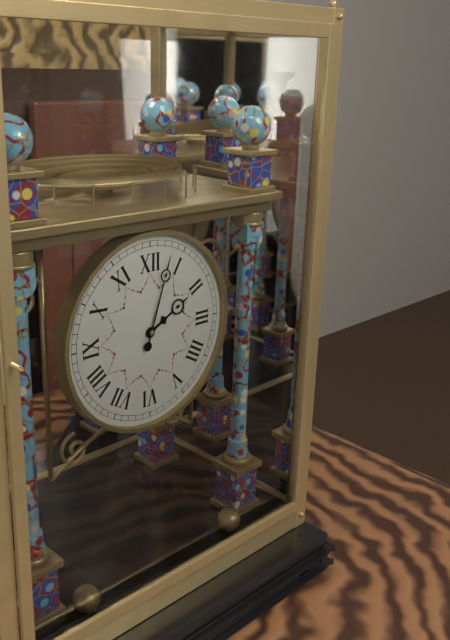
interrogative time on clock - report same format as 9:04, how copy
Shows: 2:03
